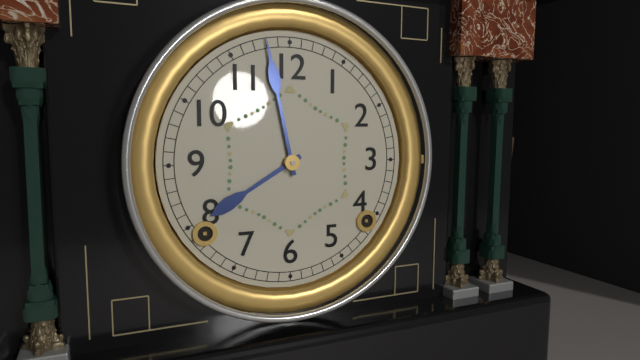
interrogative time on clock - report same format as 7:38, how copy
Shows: 7:58
